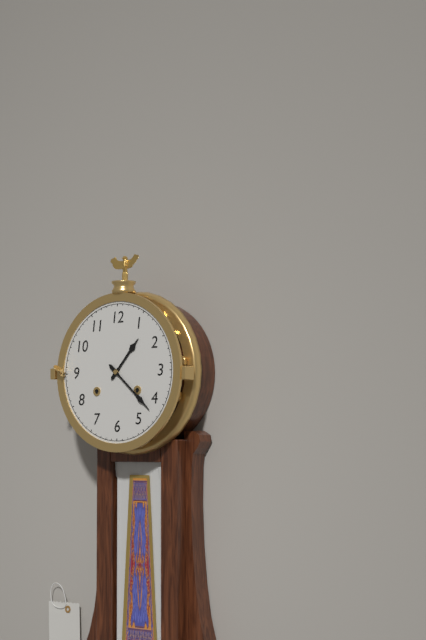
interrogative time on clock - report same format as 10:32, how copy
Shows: 1:22
